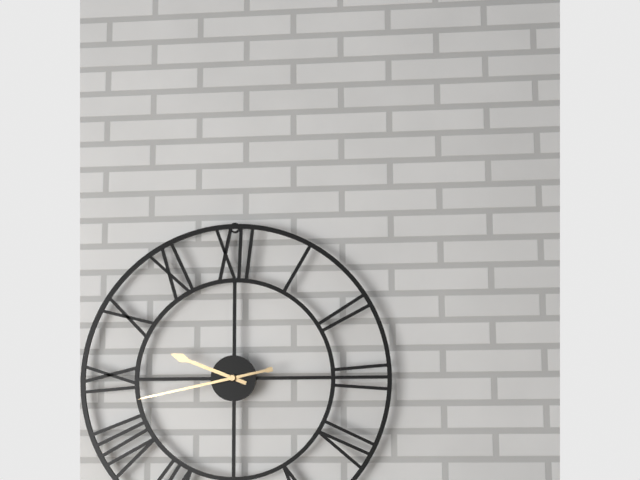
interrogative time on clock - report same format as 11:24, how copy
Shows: 9:43
